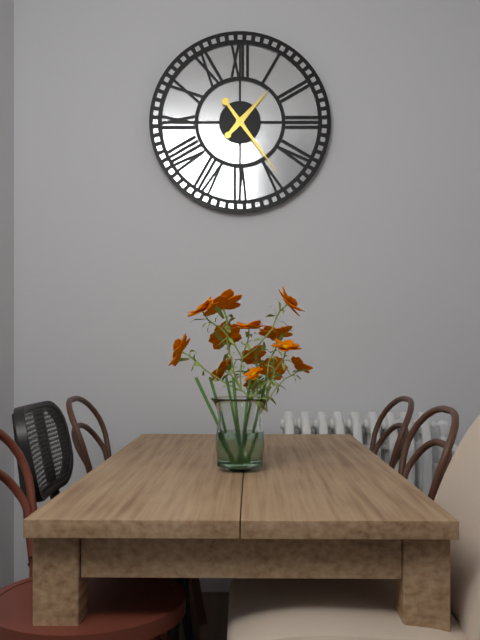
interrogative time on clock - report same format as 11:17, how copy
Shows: 1:24
